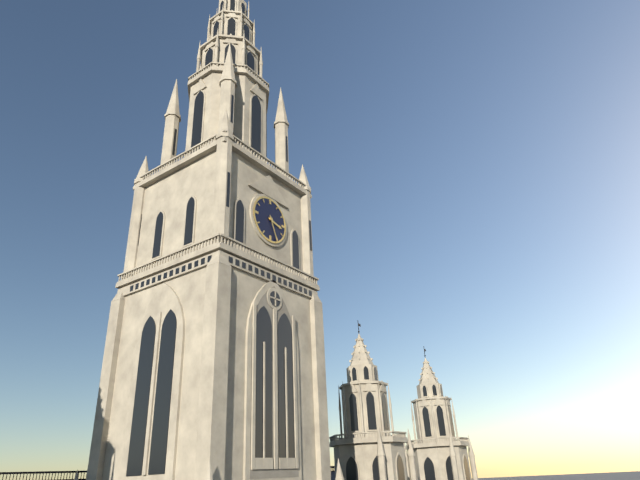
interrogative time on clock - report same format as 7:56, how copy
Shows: 3:26
